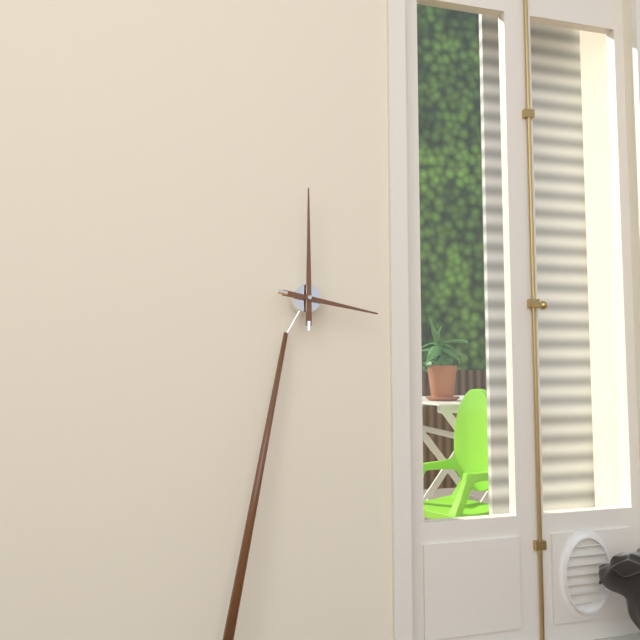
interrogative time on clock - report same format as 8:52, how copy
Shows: 2:58
